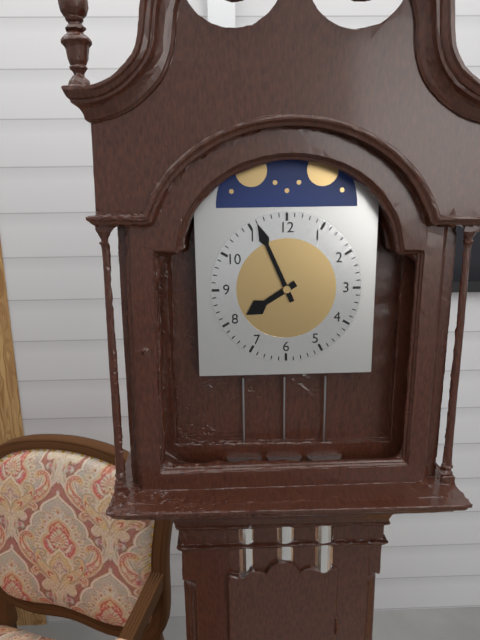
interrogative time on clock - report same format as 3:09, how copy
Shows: 7:56
